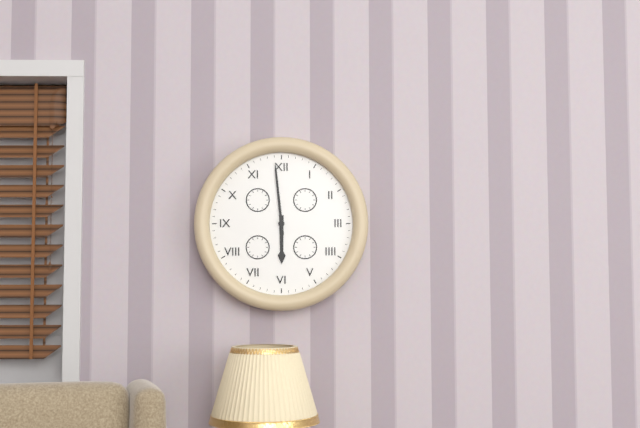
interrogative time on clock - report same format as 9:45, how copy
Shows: 5:59
